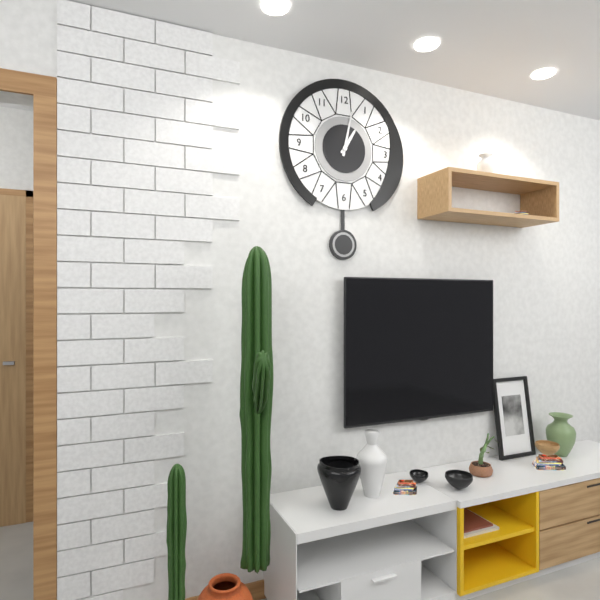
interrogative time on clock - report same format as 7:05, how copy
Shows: 1:02
